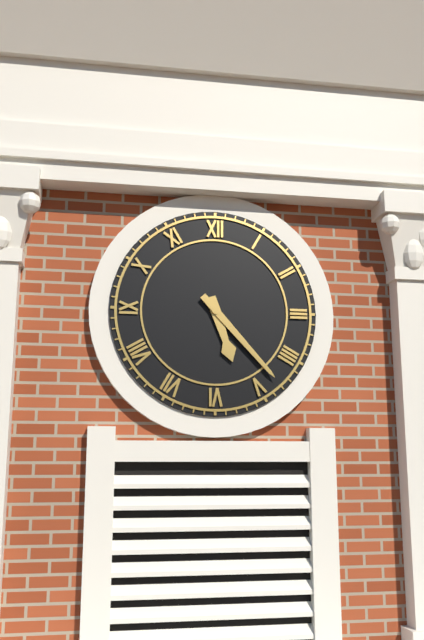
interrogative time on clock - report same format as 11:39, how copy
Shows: 5:23
